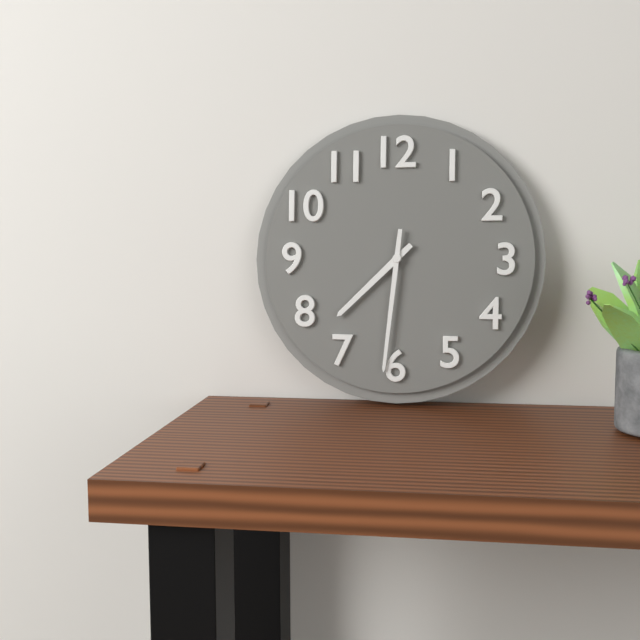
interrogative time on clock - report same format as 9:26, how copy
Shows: 7:31
